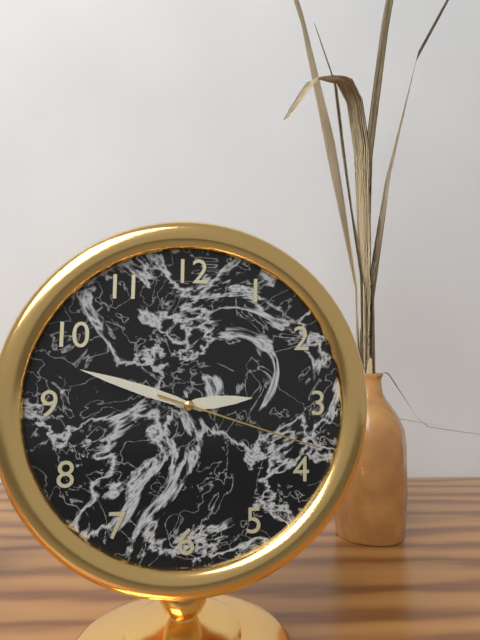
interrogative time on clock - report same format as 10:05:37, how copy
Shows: 2:48:18
